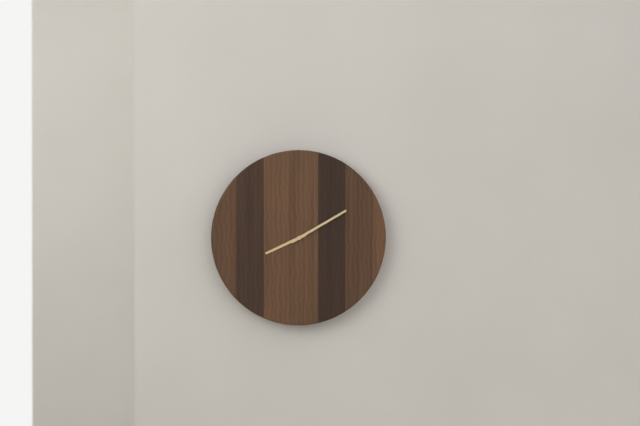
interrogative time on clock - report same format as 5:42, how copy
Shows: 8:10
